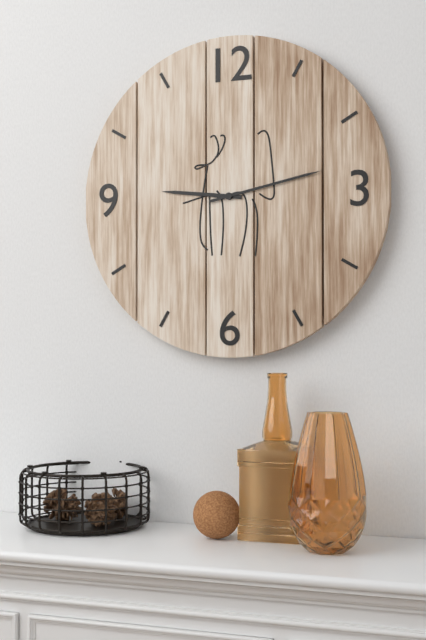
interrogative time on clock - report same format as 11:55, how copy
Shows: 9:13
